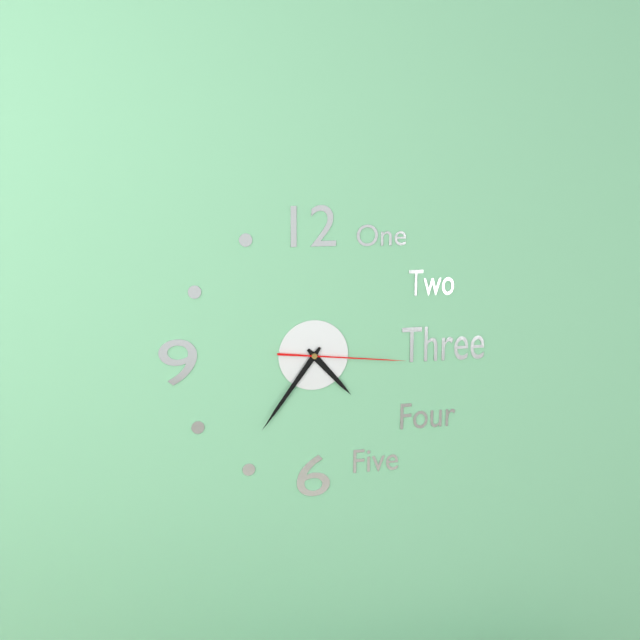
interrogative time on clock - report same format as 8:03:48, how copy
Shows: 4:36:16
